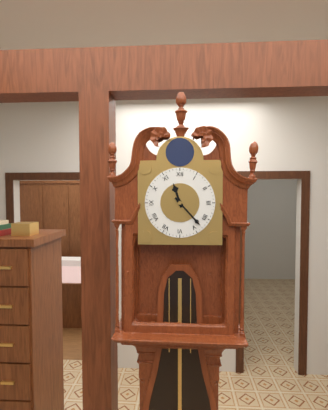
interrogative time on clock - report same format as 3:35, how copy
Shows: 11:23
